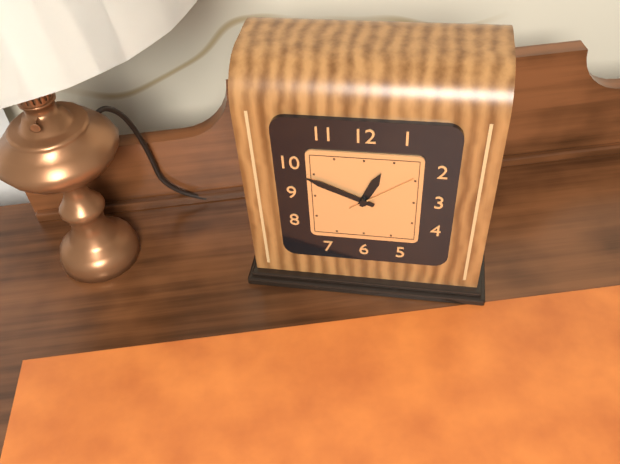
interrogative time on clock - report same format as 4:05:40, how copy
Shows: 12:49:09
